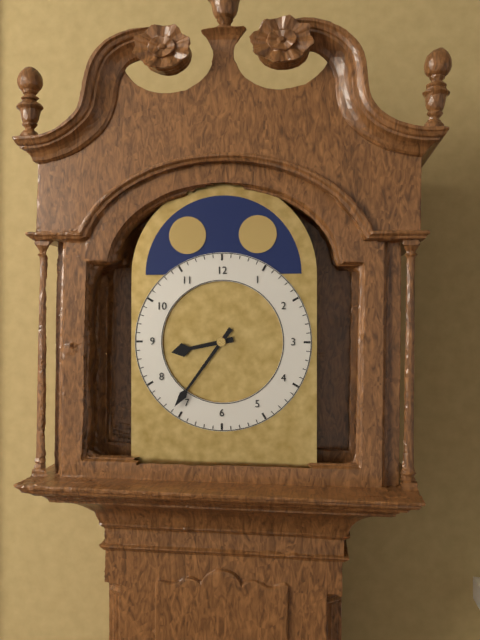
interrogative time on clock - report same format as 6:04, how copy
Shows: 8:36
